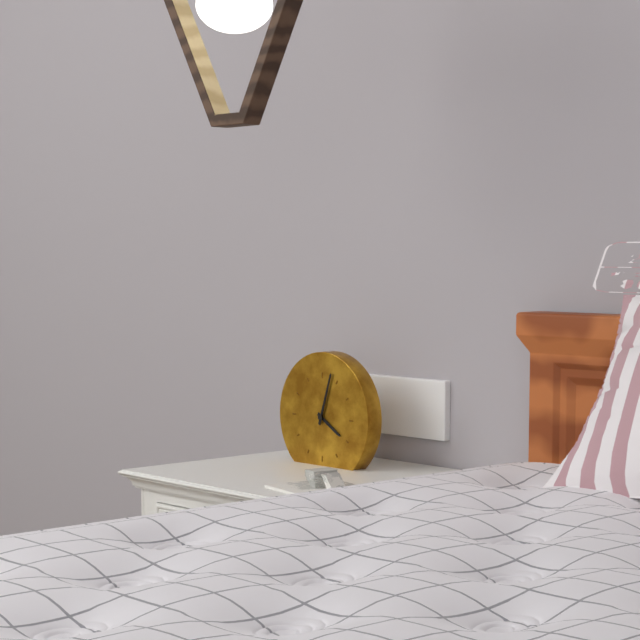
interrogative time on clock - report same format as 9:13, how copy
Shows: 4:03
